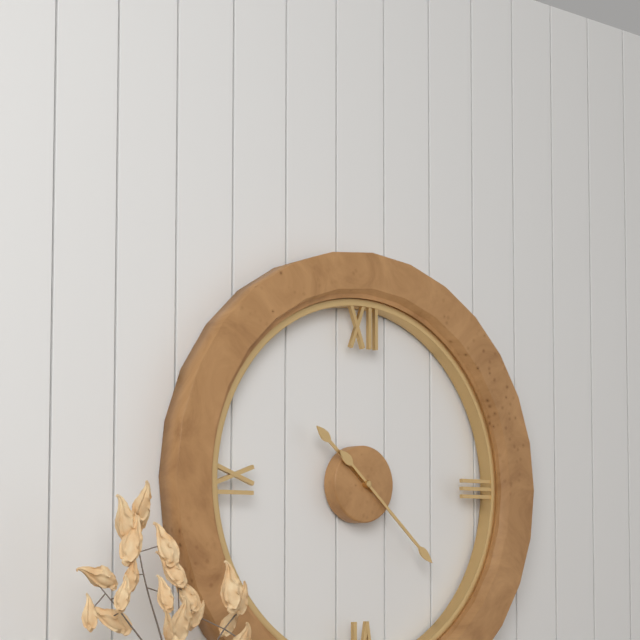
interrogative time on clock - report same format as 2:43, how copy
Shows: 10:22
